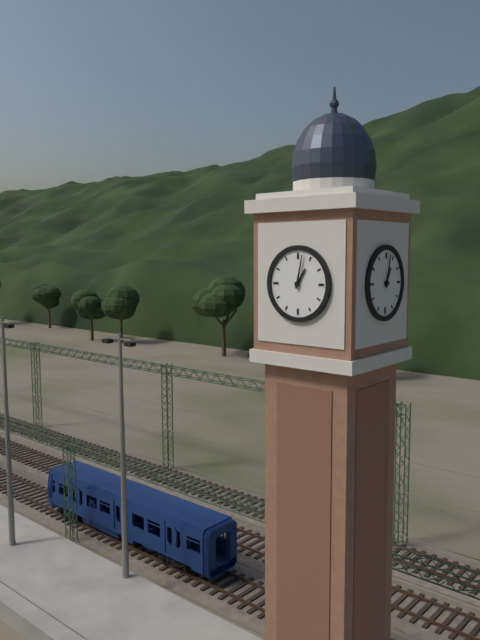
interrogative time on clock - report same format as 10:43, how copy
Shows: 1:02
